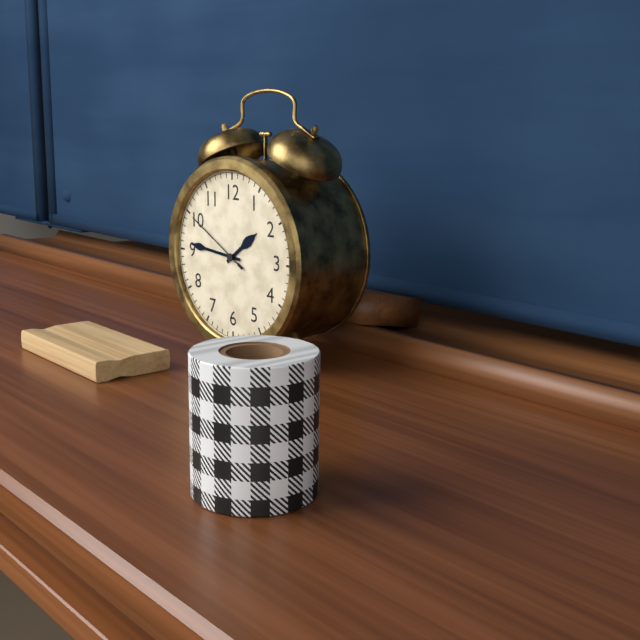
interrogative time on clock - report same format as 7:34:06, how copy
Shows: 1:46:50
